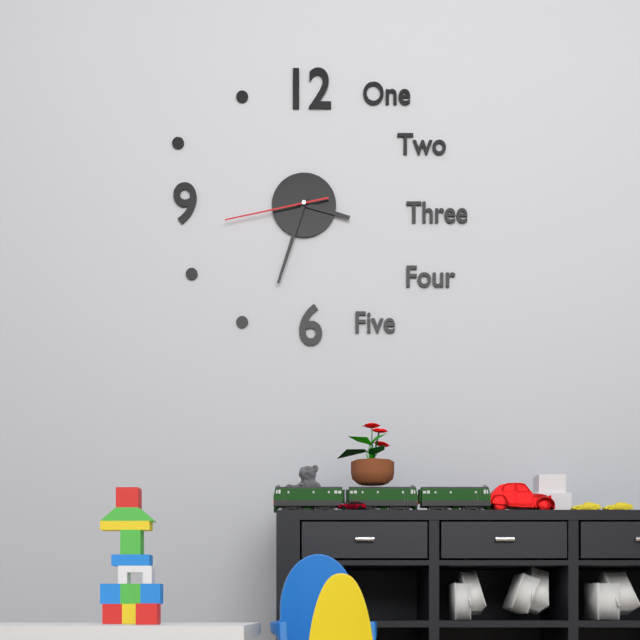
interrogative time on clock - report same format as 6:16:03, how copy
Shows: 3:33:43
